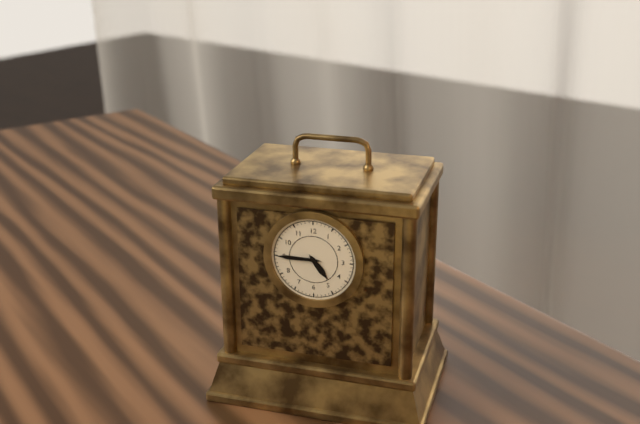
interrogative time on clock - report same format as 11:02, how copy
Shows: 4:45
